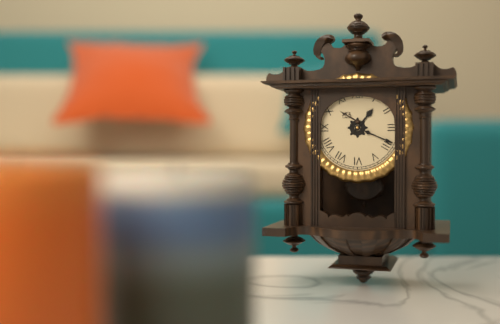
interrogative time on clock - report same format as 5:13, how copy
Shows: 1:19
